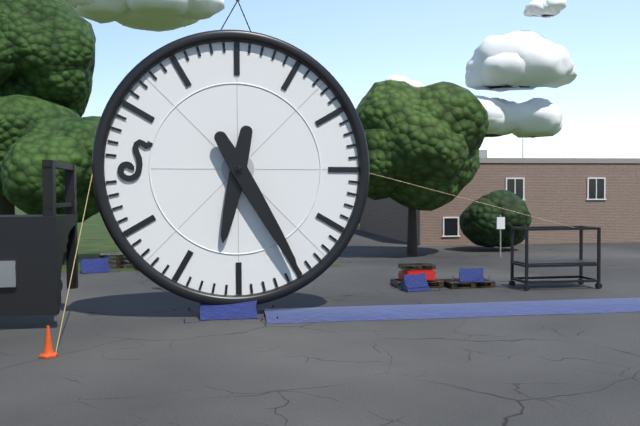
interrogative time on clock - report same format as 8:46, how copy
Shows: 6:25
